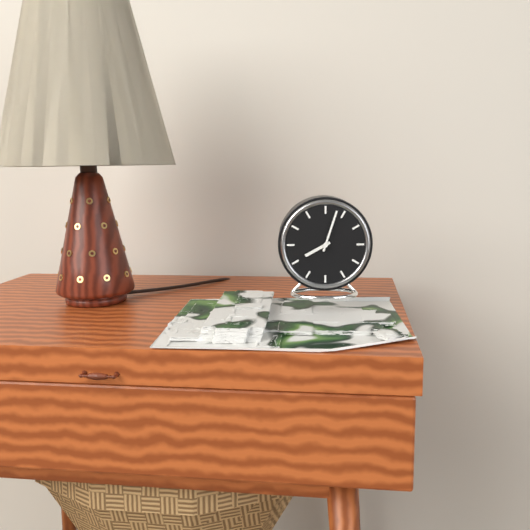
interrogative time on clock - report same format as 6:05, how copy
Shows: 8:03
